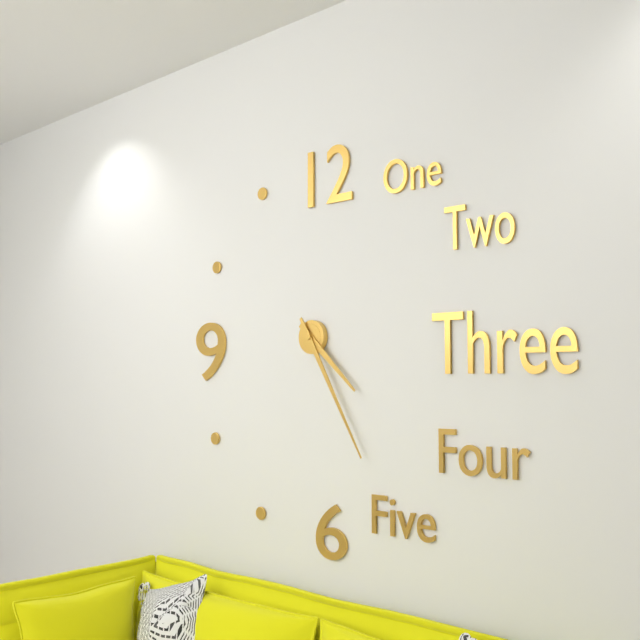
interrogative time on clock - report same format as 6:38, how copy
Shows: 4:25
